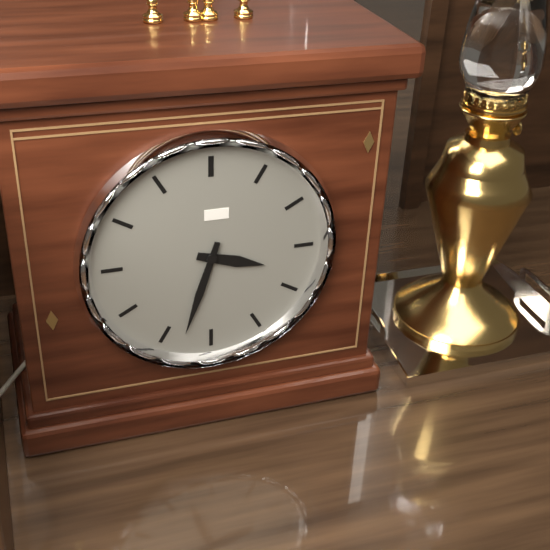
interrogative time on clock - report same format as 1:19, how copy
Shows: 3:33
